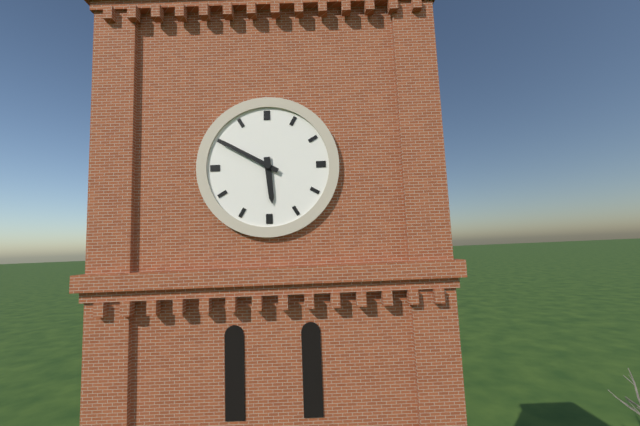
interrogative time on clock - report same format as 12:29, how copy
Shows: 5:50
